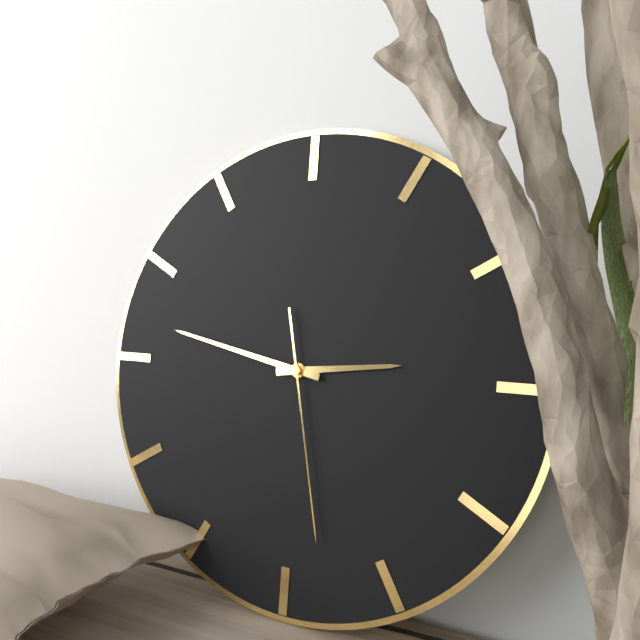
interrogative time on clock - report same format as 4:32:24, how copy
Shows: 2:47:28
